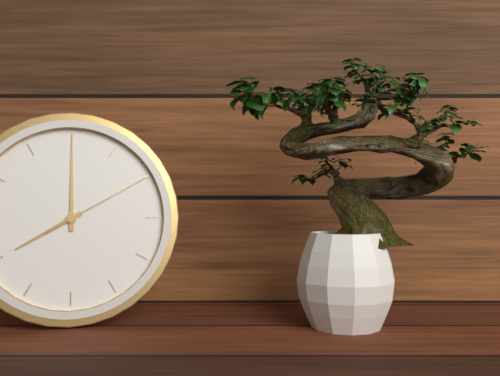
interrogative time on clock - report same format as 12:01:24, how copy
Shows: 8:00:10
